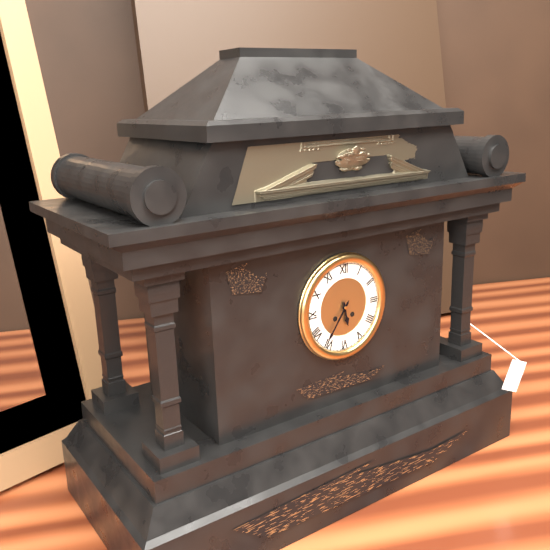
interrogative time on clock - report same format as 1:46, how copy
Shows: 5:36
